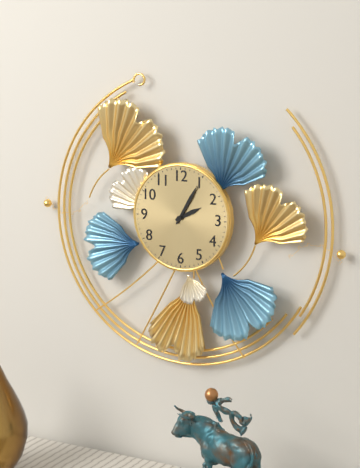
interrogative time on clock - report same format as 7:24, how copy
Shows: 2:05
